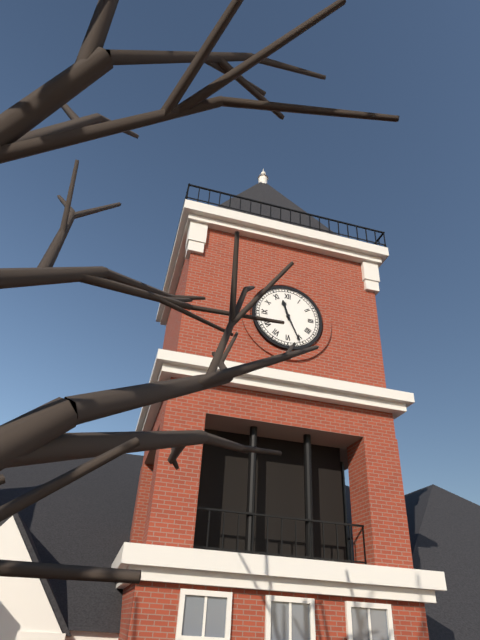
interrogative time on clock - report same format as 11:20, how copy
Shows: 11:26
